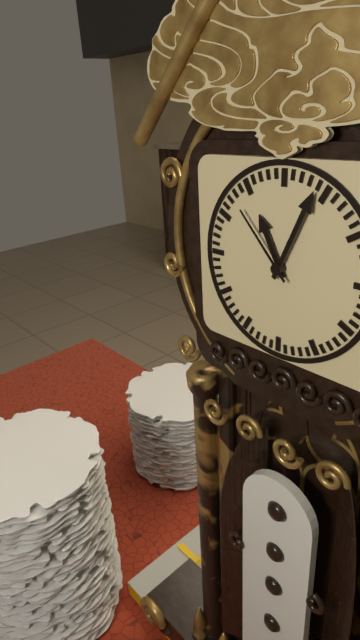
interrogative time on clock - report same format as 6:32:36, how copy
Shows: 11:04:53
